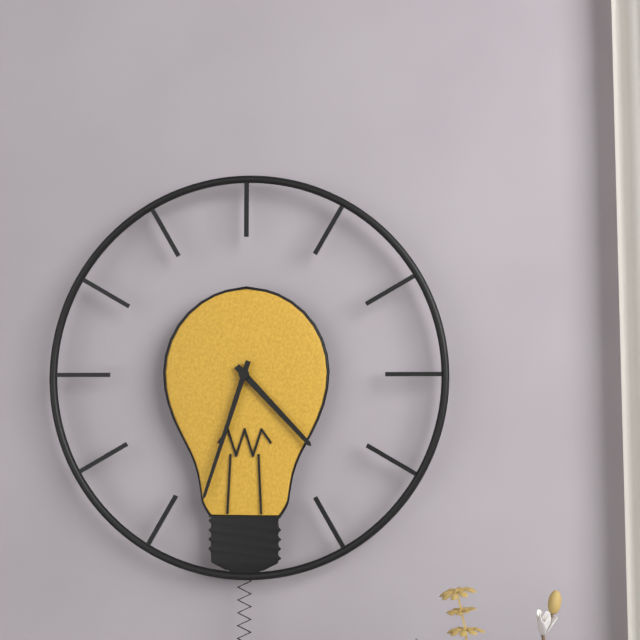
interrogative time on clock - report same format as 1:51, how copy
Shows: 4:33
